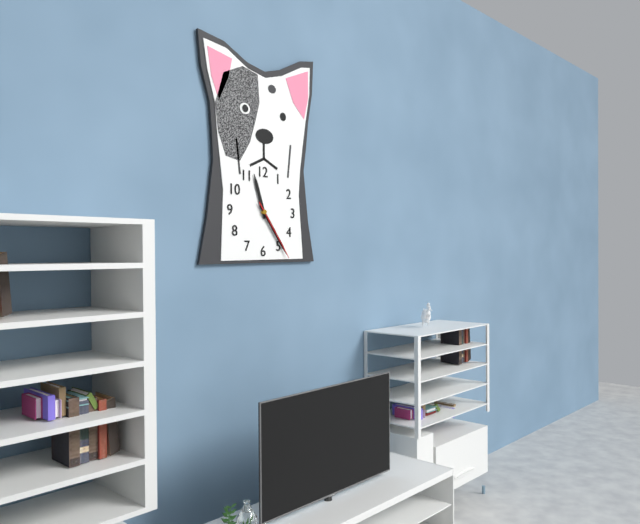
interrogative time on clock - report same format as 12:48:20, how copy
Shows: 11:24:24
